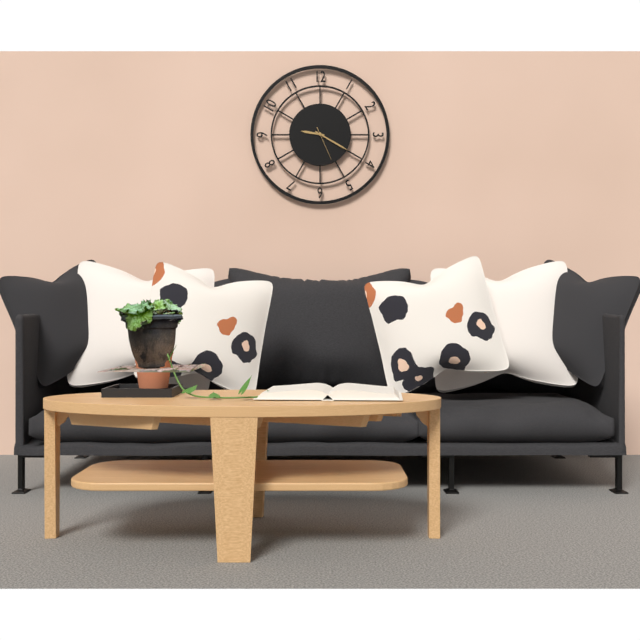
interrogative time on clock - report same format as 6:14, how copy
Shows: 9:20
